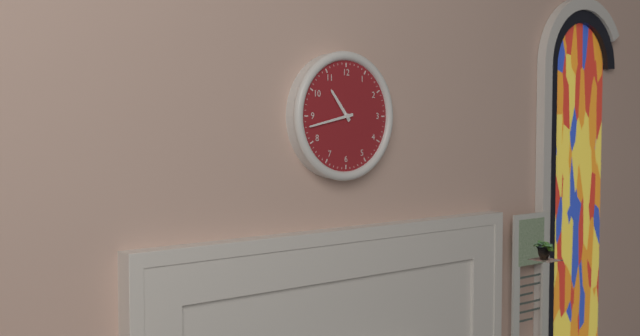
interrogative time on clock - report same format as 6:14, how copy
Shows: 10:43
